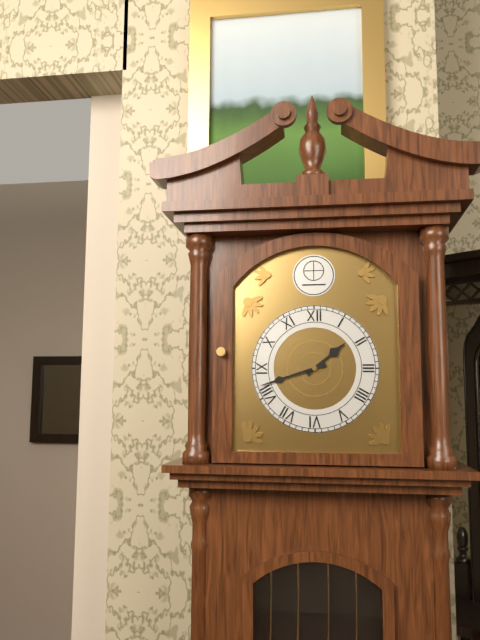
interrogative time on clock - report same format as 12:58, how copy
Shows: 1:42
